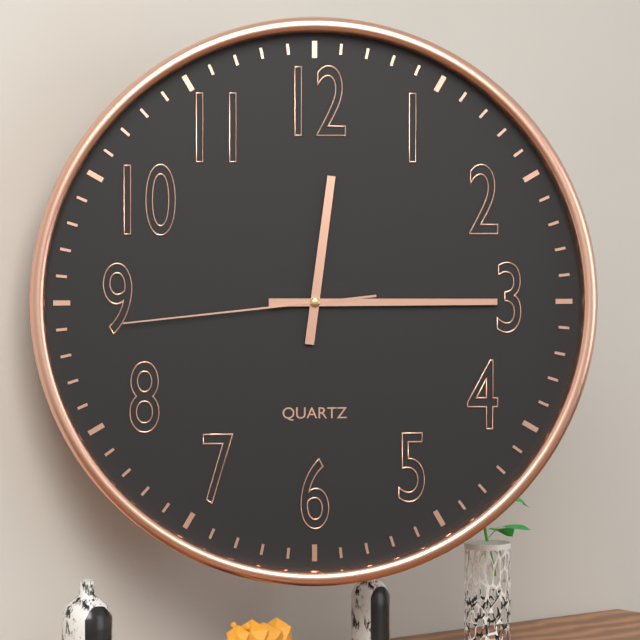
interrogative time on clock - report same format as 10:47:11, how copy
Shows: 12:15:44
